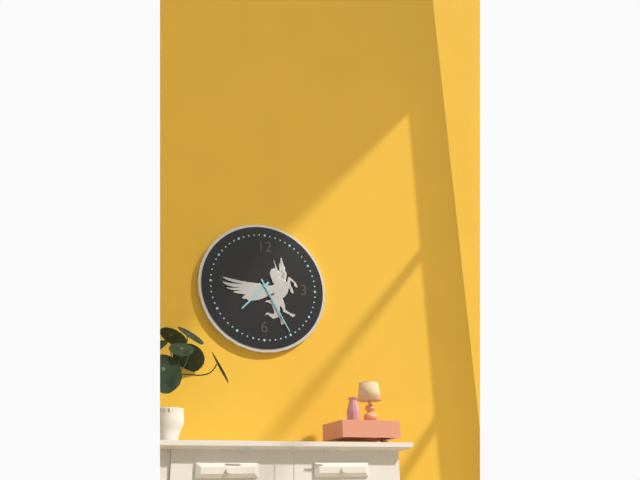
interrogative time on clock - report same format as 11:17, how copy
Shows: 7:25
